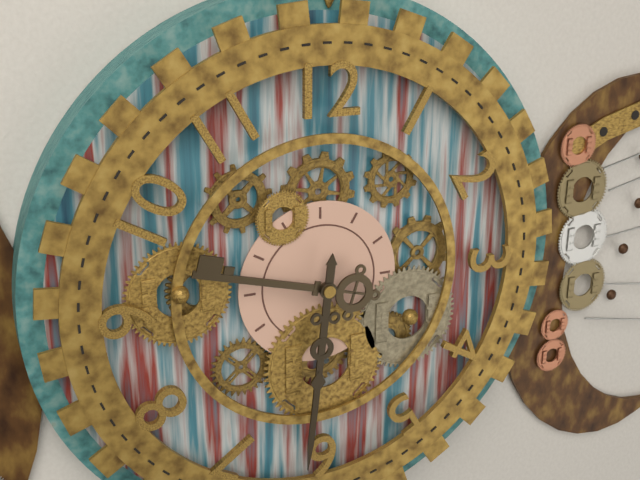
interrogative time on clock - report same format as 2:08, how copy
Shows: 9:31
